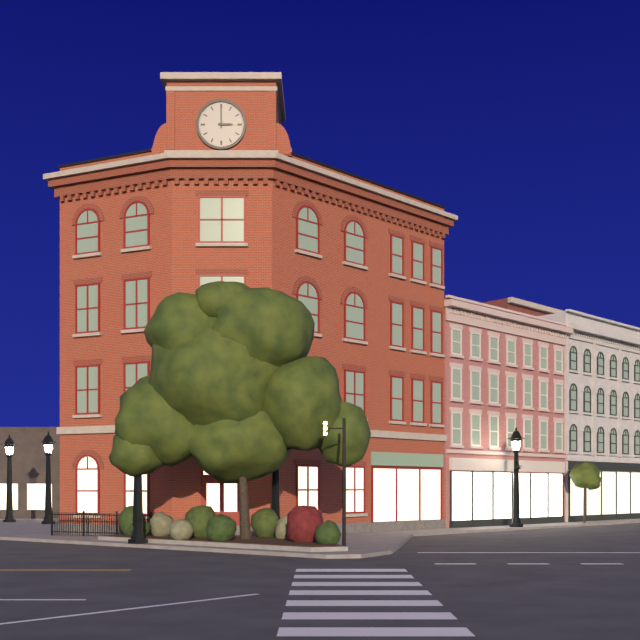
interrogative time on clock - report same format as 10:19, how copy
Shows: 3:00
